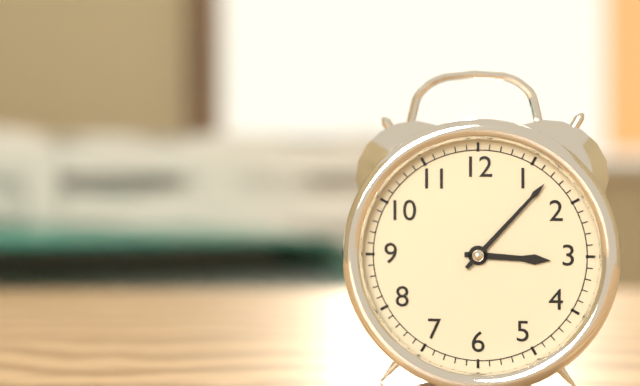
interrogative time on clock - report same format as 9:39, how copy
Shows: 3:07
